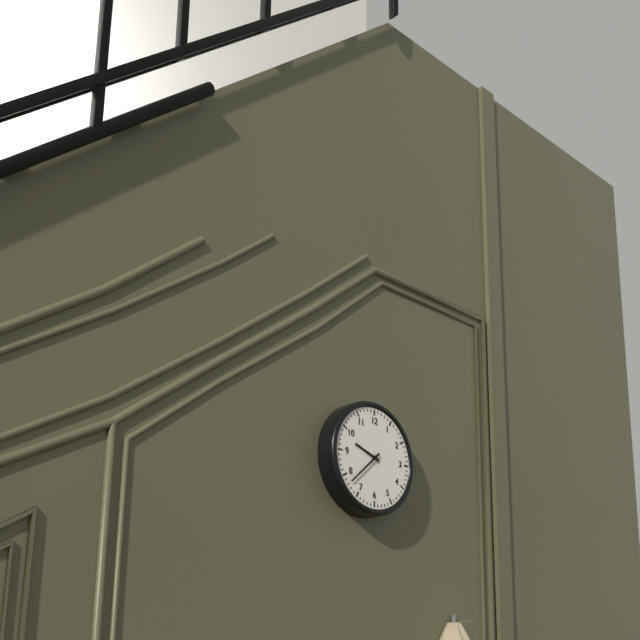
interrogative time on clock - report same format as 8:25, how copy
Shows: 9:38
